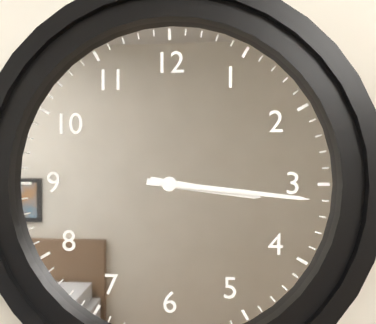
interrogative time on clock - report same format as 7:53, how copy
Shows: 3:16
